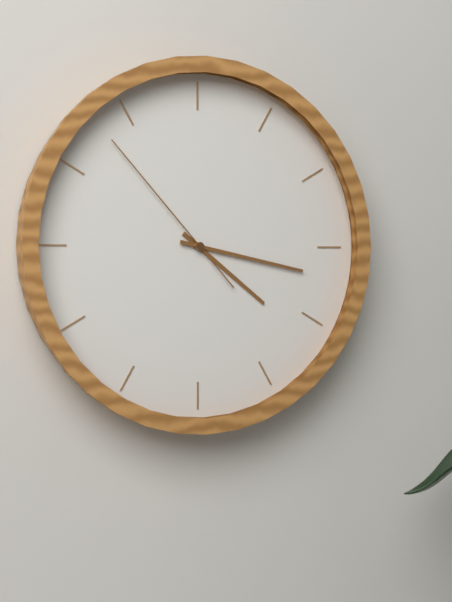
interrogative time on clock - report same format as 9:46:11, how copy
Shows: 4:17:53
